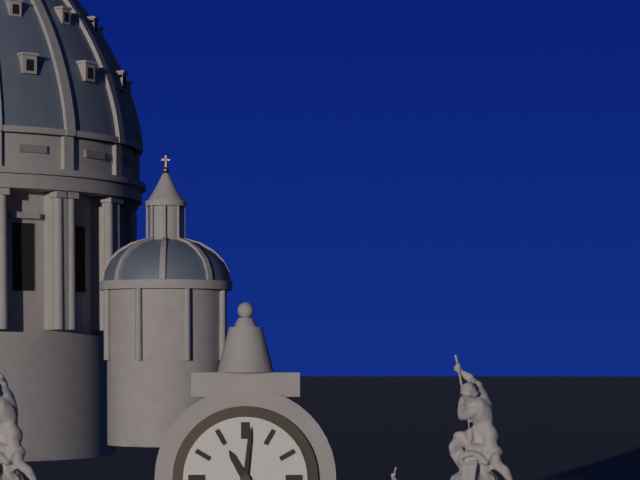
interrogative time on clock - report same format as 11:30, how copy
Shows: 11:01
